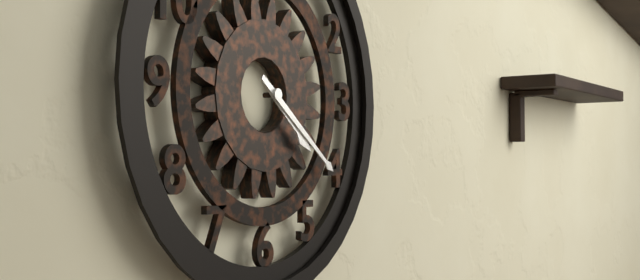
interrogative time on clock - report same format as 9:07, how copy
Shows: 4:21
